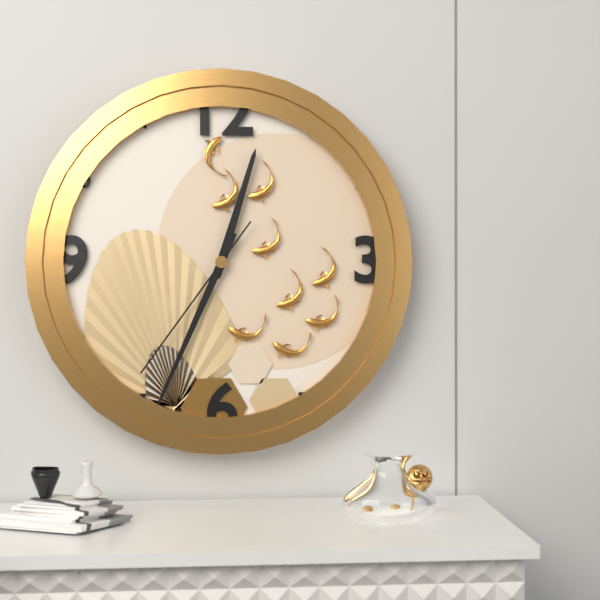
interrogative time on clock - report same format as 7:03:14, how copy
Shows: 12:34:36
